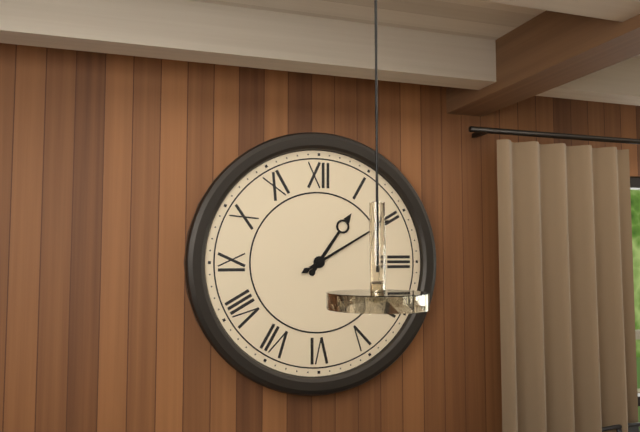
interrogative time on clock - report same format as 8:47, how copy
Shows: 1:10
